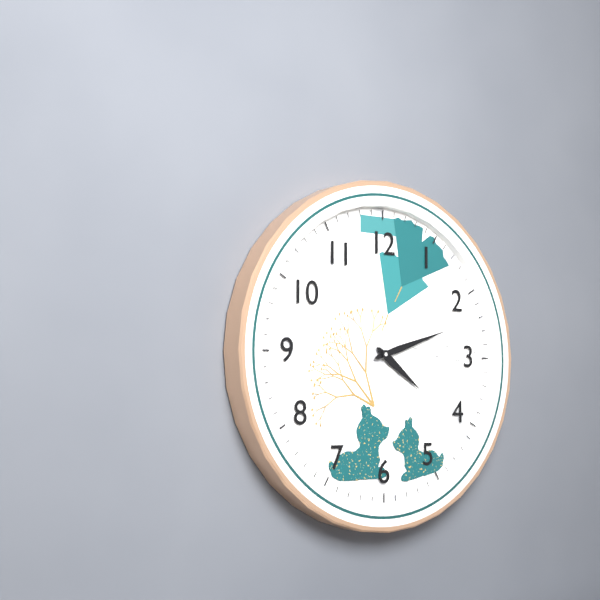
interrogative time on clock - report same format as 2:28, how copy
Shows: 4:12
